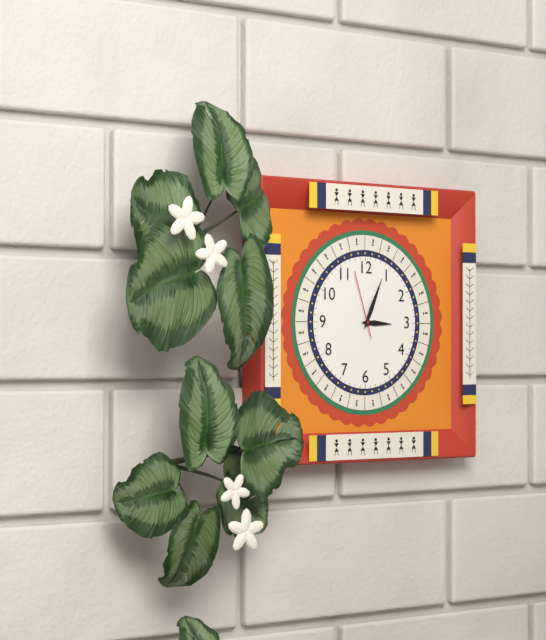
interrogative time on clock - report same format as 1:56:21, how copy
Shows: 3:04:57
